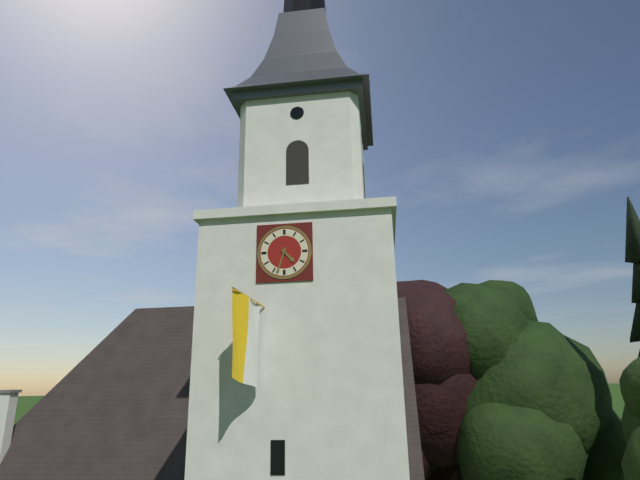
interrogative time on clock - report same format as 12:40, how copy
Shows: 4:33
